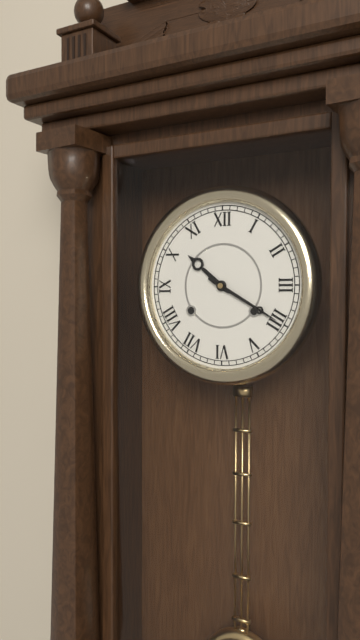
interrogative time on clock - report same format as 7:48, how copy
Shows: 10:20
